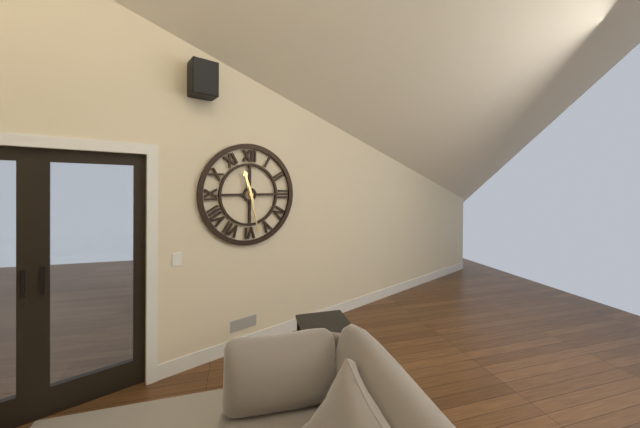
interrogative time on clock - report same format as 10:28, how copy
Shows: 11:28
